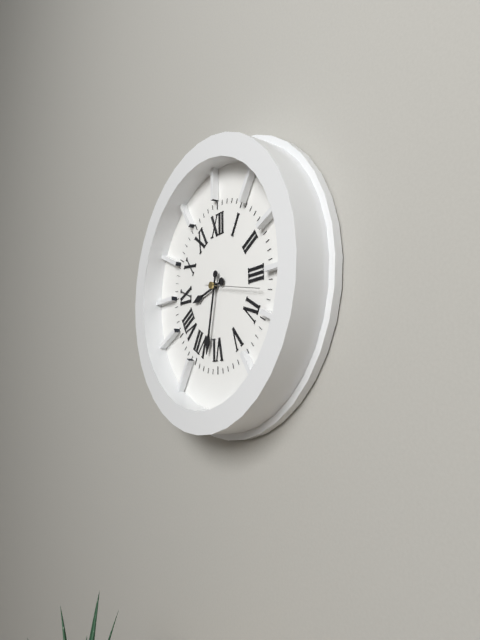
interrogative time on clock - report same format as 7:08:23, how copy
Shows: 8:32:17
